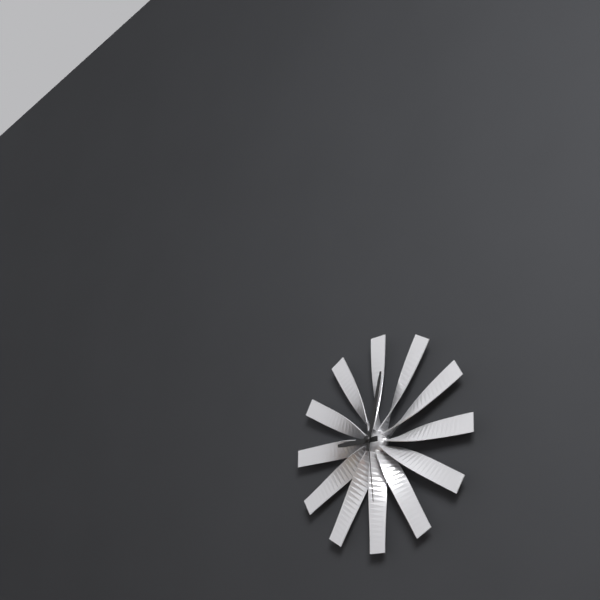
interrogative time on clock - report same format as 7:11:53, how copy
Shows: 9:02:29
